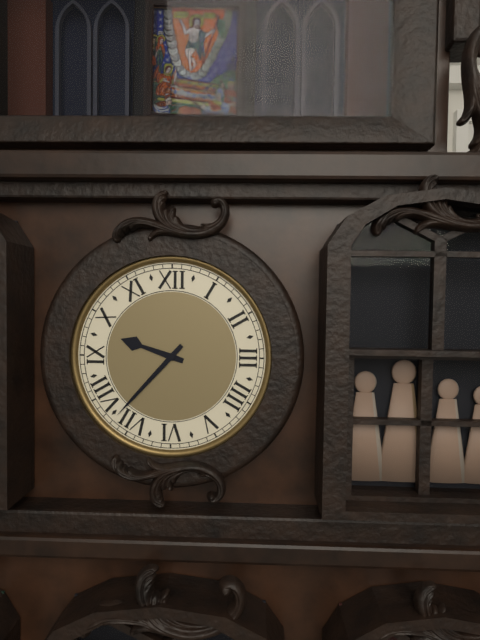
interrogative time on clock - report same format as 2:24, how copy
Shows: 9:37
